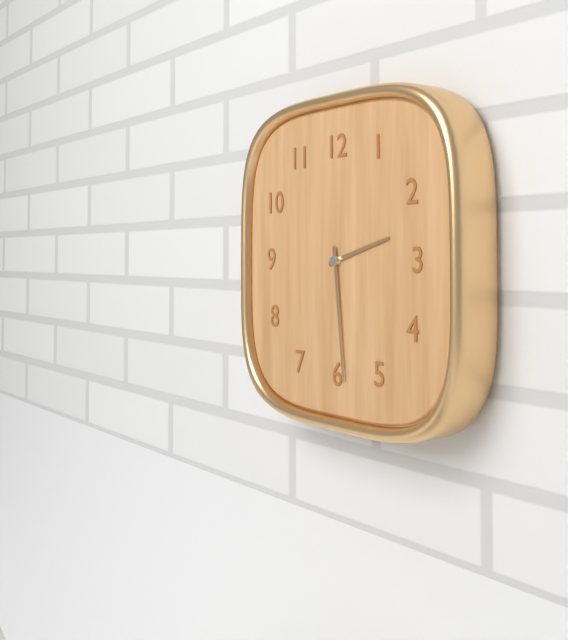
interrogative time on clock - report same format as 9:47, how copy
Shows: 2:29
